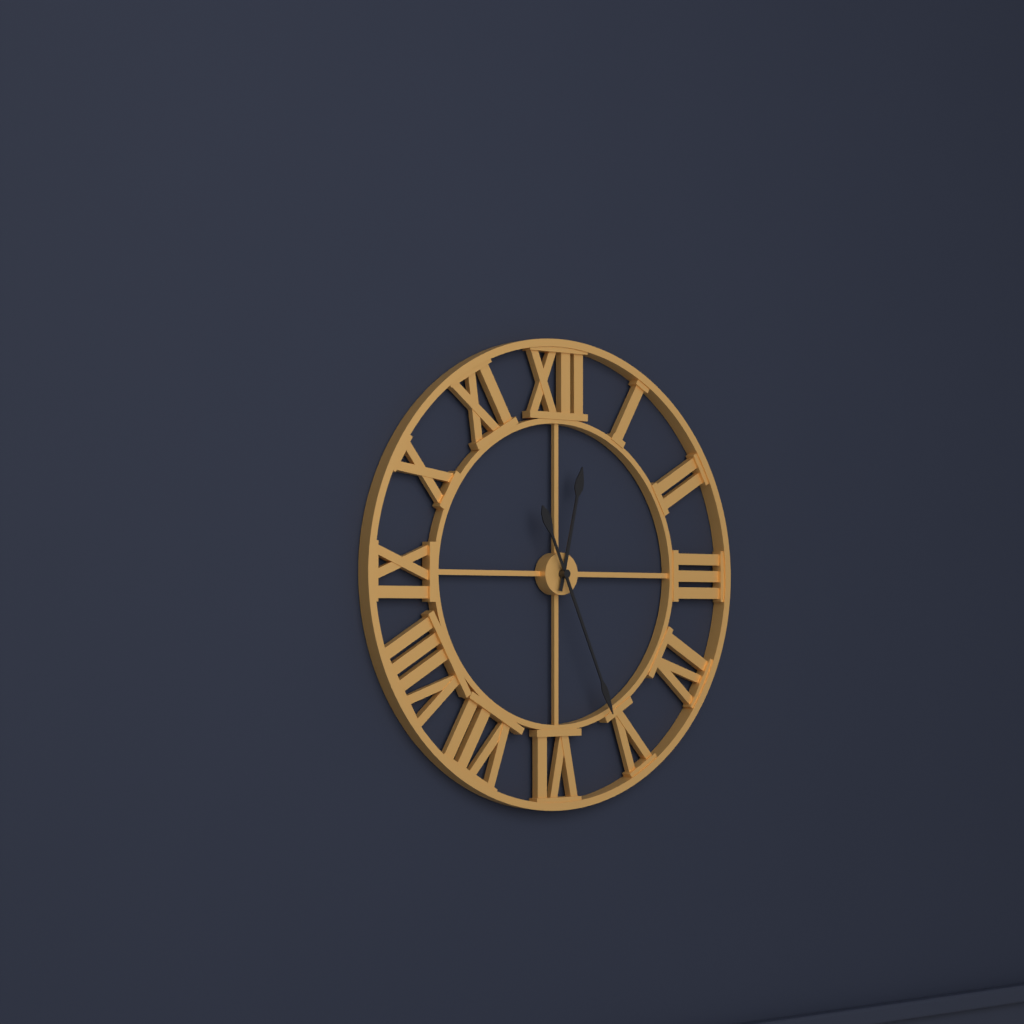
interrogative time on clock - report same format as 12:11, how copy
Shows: 12:26
